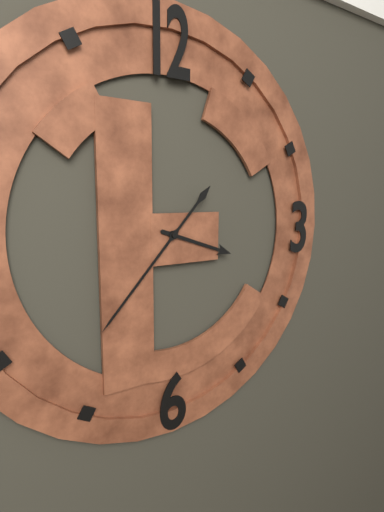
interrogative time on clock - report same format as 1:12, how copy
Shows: 3:37
